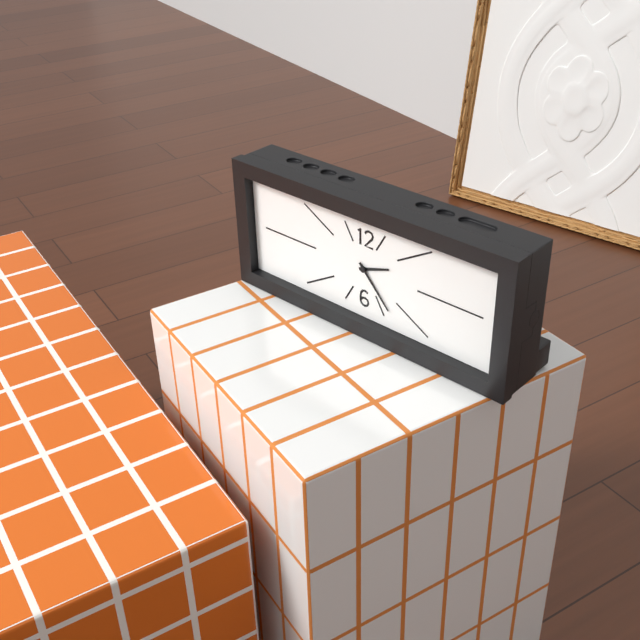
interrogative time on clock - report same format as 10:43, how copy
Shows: 2:23
